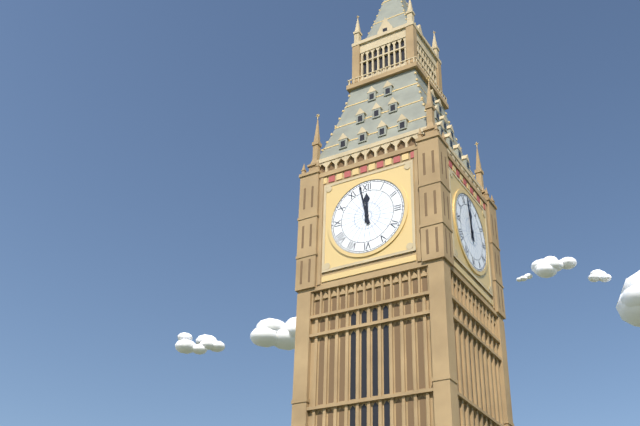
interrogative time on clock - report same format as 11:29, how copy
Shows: 11:58
